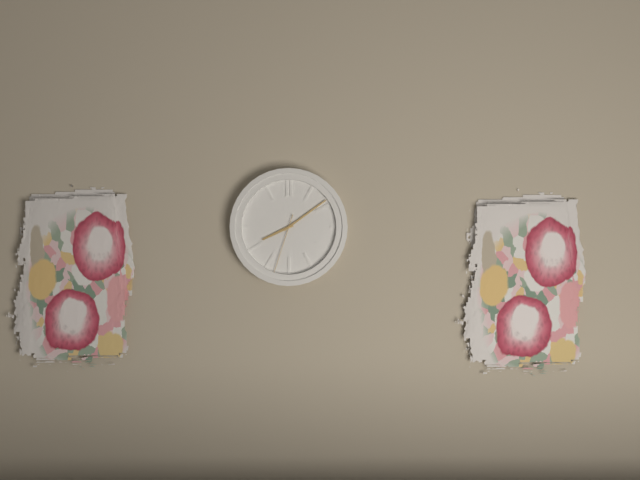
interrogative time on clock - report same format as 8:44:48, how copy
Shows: 8:09:33
